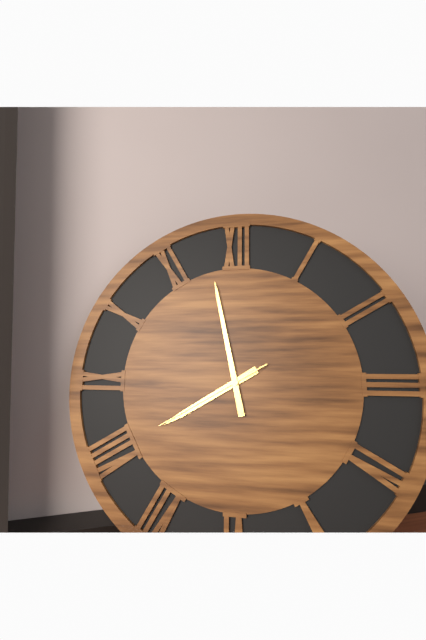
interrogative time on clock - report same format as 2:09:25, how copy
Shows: 7:58:40
